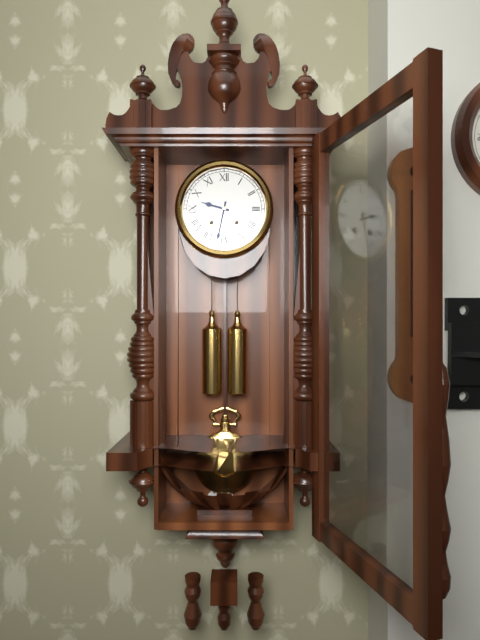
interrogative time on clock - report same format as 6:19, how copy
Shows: 9:32
